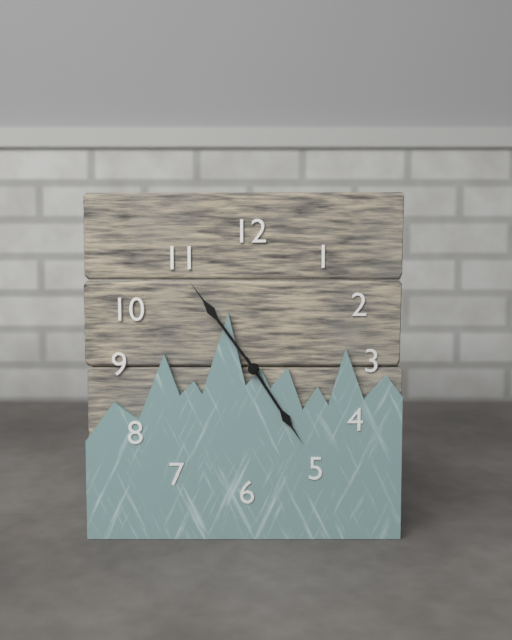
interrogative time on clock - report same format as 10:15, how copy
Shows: 4:54
